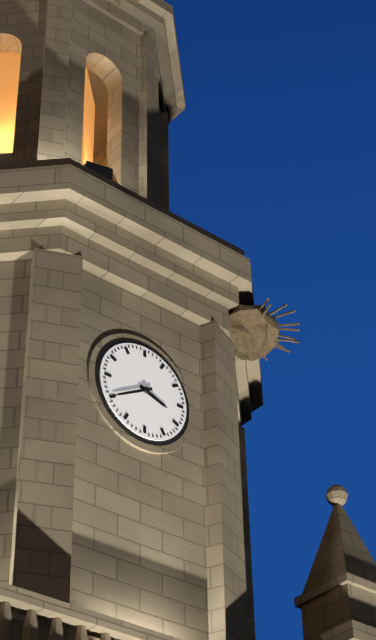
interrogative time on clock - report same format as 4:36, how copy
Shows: 3:40
